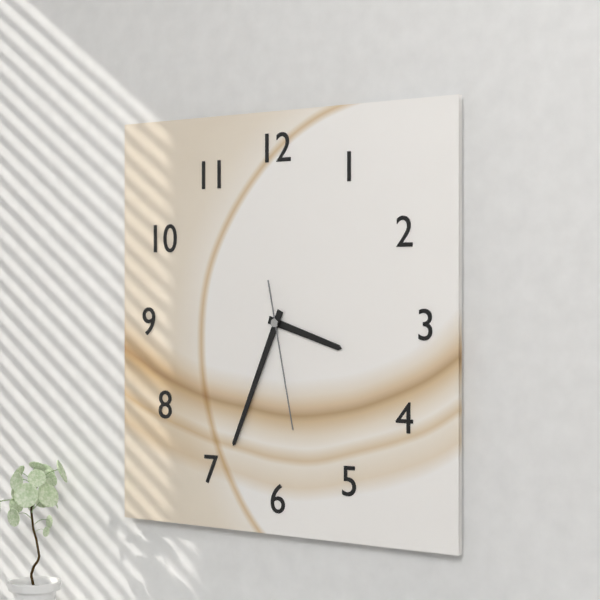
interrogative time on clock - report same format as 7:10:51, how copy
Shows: 3:34:28
